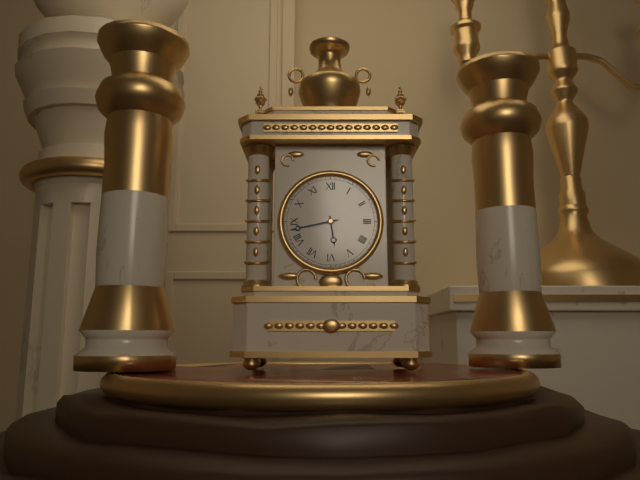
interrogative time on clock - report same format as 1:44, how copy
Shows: 5:43
